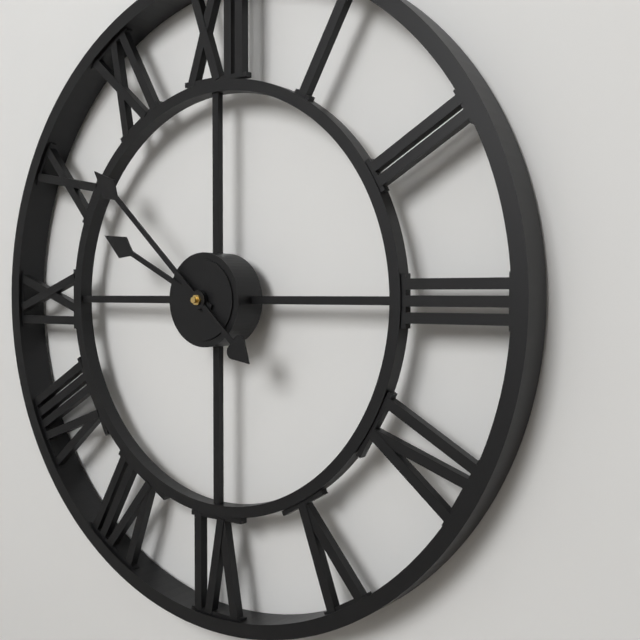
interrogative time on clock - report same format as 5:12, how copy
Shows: 9:52
